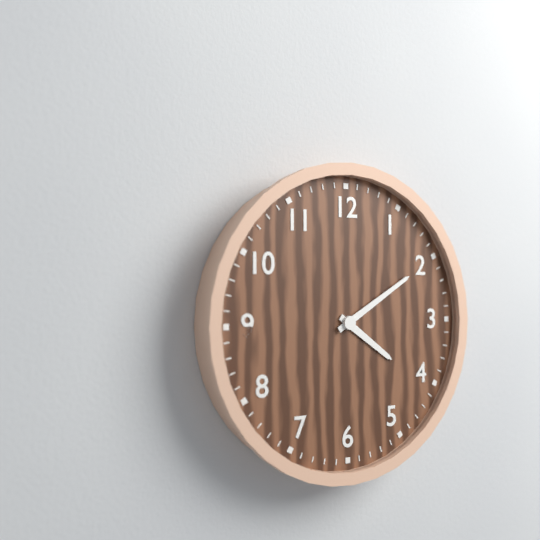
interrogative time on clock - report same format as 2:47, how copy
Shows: 4:10
